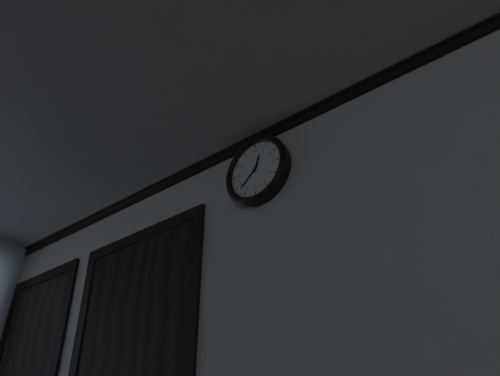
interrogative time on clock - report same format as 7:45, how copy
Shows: 12:38
